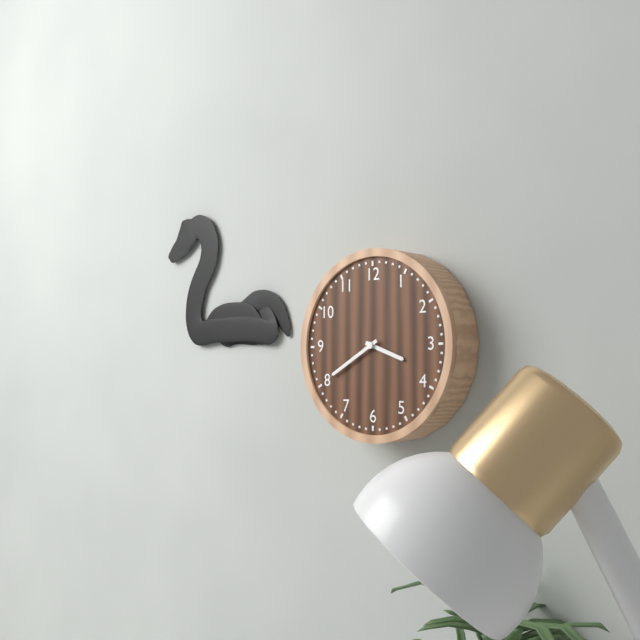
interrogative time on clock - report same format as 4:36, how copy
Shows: 3:40
